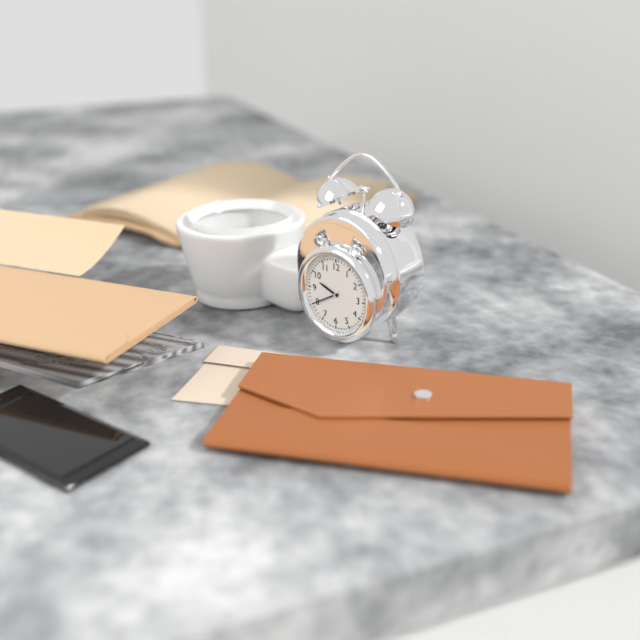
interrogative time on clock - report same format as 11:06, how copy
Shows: 9:40
